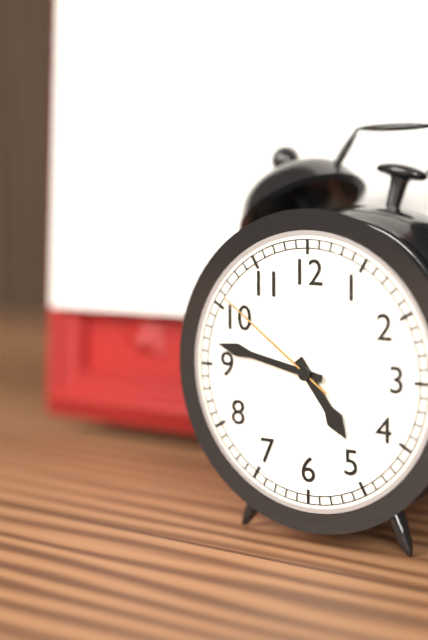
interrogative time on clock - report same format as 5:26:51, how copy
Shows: 4:47:51
